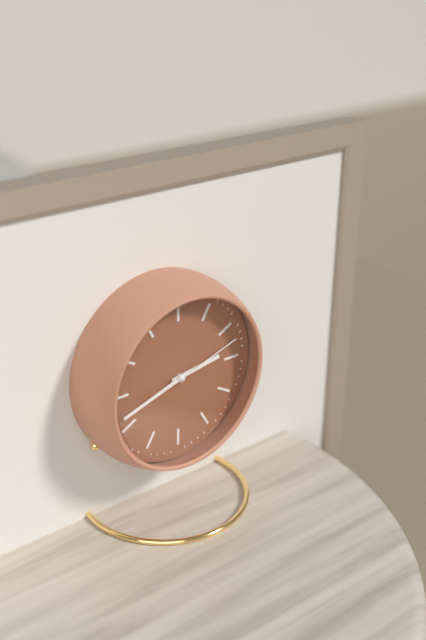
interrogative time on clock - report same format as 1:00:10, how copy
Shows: 2:42:12
